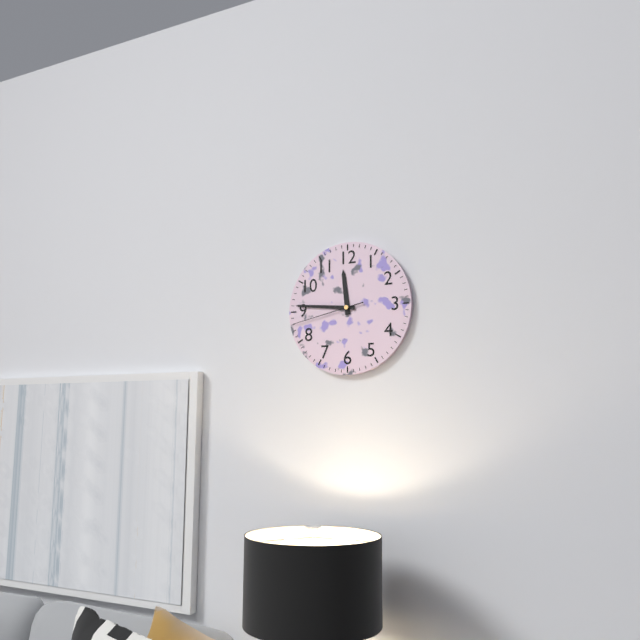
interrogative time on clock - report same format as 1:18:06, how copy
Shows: 11:46:43
